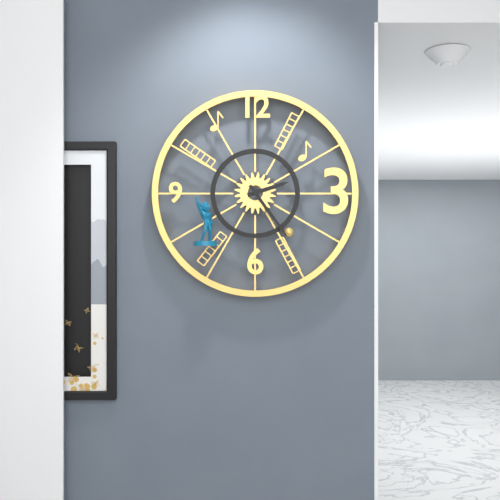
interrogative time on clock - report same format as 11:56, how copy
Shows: 2:24
